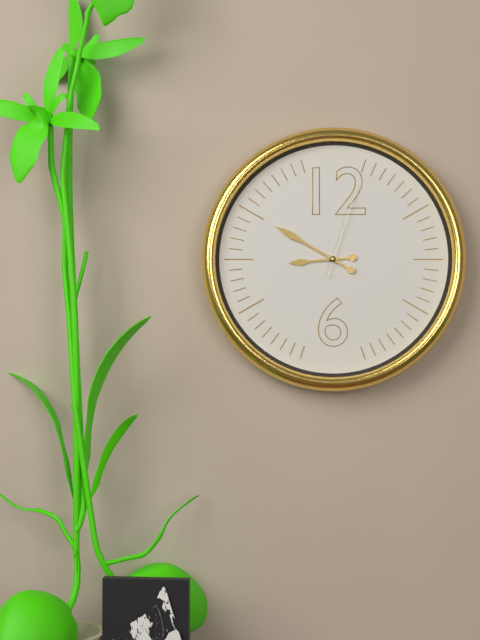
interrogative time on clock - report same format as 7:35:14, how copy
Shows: 8:50:03
